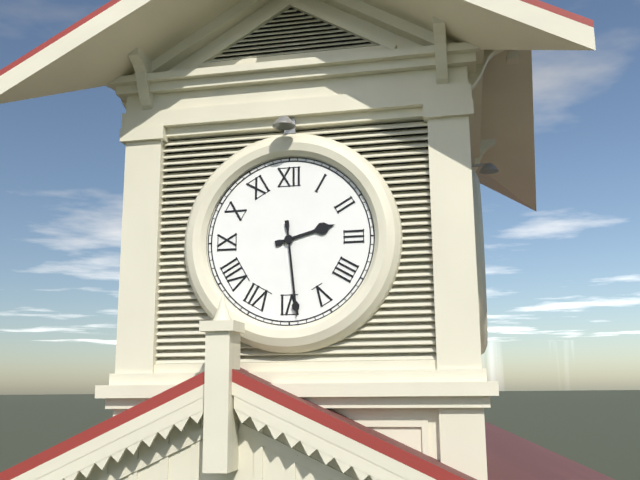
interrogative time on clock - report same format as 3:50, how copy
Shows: 2:29
